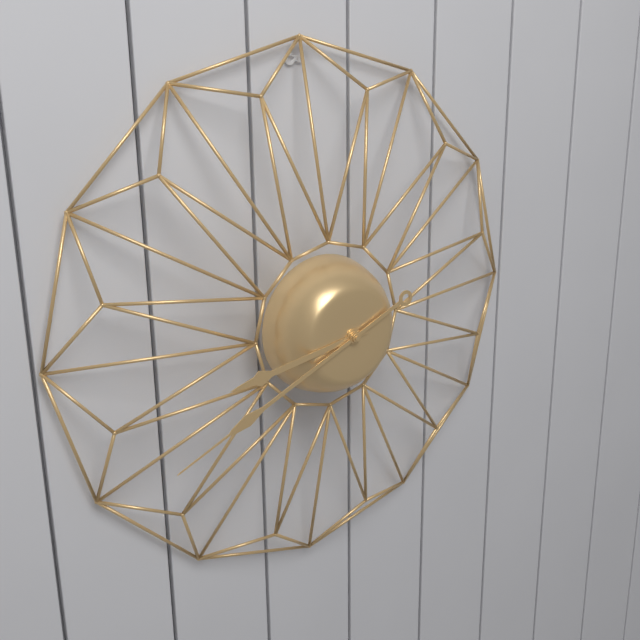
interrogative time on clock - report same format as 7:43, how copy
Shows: 8:41
